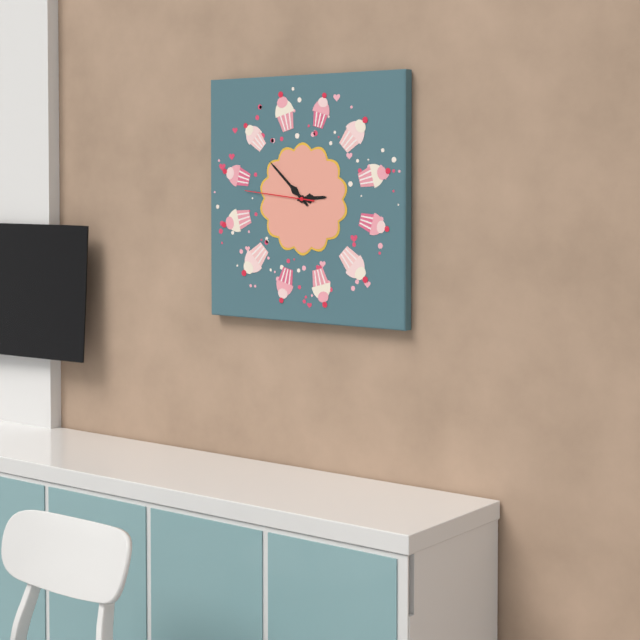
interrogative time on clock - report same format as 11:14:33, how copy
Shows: 2:52:46
